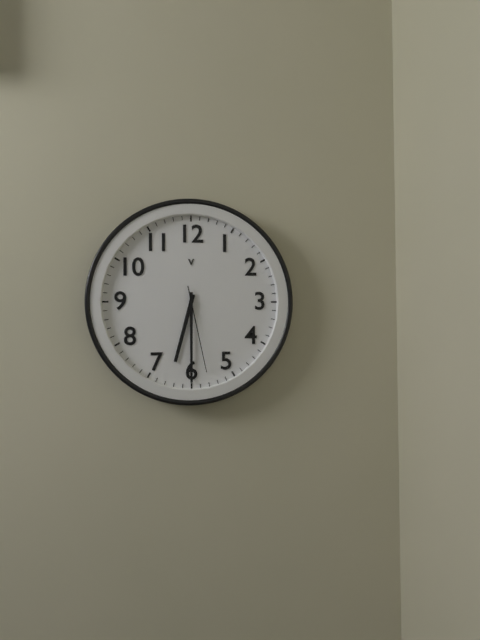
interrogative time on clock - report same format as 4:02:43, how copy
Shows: 6:30:28
